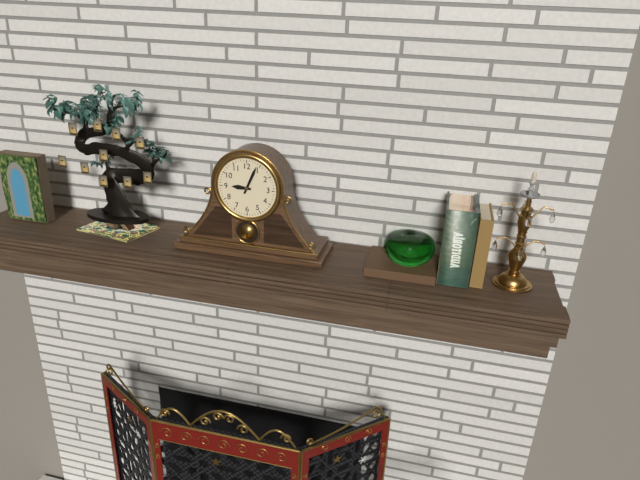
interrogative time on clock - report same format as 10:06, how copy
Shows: 9:04
